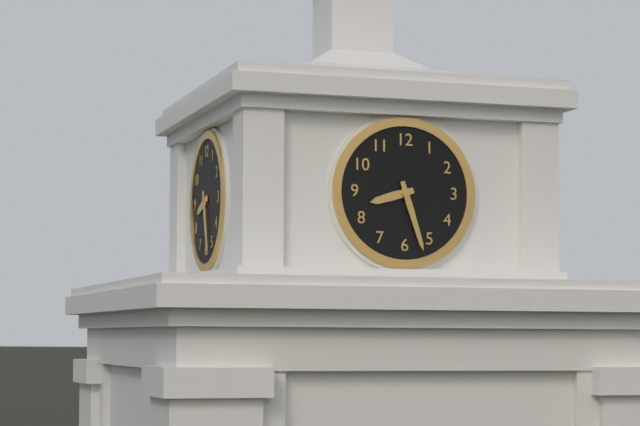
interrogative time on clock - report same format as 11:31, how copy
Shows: 8:27
